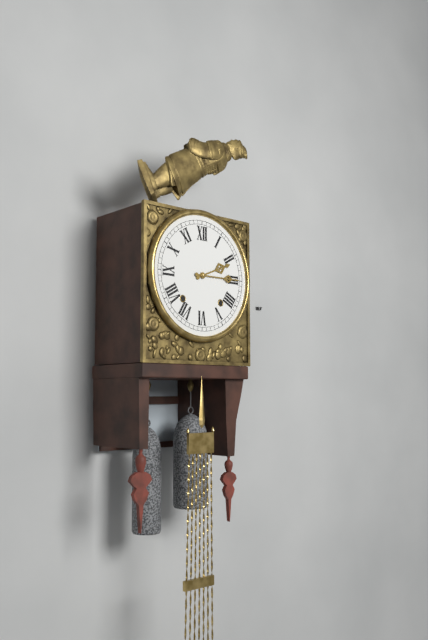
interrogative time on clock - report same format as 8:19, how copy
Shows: 2:15
